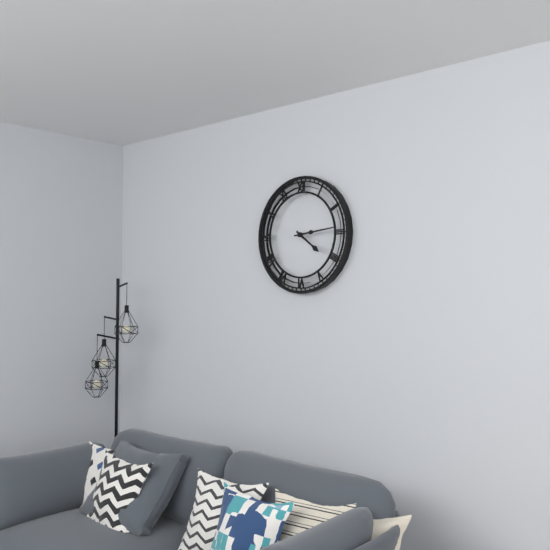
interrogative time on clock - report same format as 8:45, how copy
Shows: 4:14
